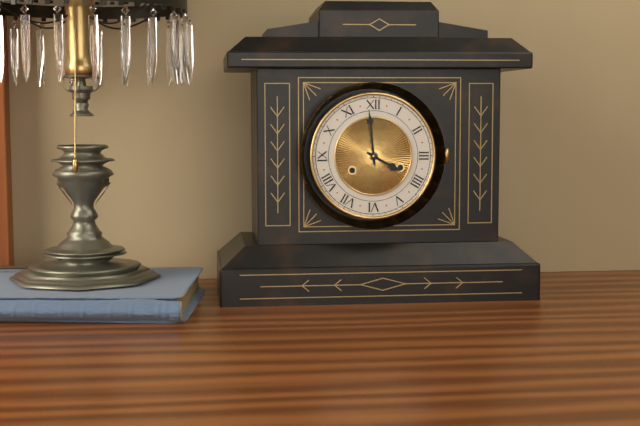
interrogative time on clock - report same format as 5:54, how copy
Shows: 3:59
